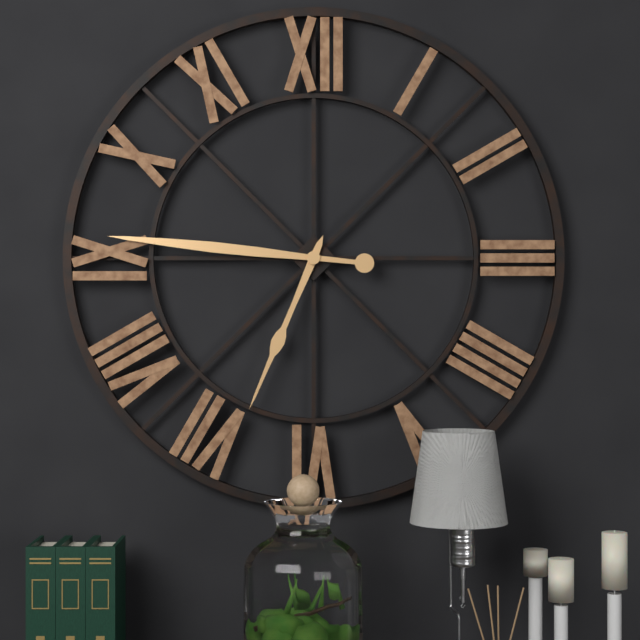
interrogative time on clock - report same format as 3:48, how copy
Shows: 6:46
